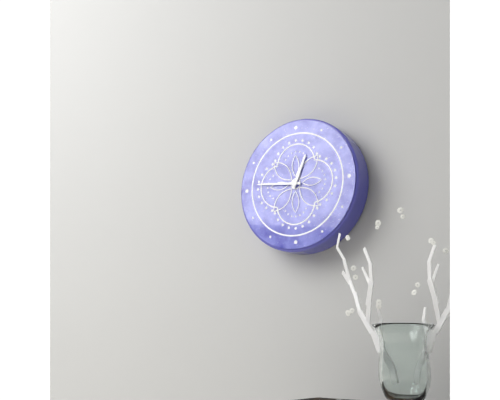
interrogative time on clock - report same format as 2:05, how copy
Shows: 12:46
